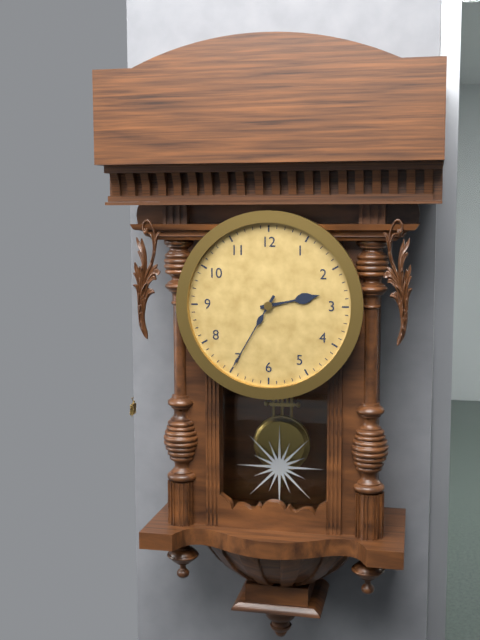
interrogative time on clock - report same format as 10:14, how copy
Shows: 2:35
